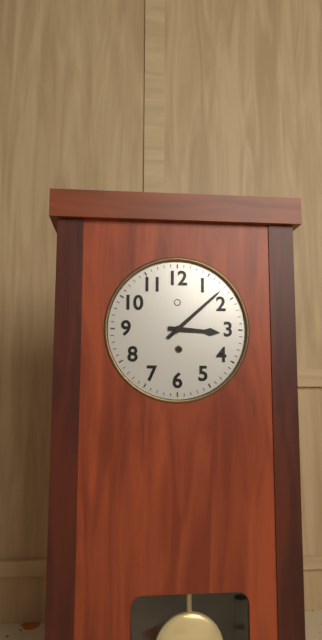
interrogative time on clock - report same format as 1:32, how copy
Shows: 3:08
